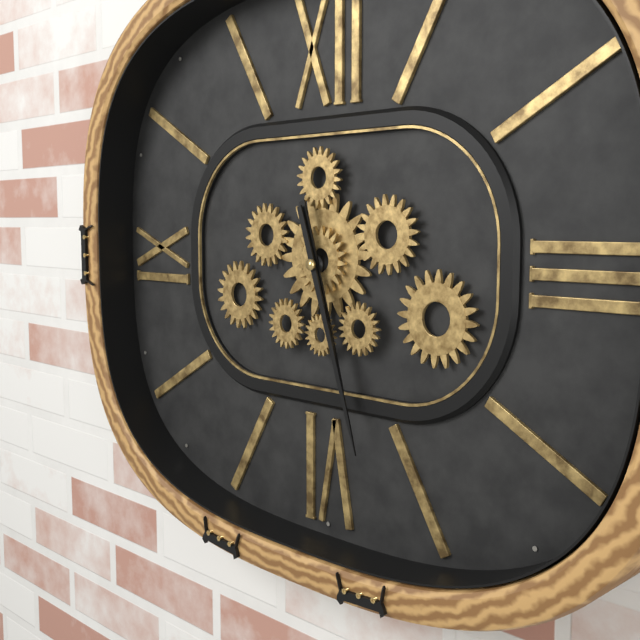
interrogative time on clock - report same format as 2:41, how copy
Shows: 5:27
